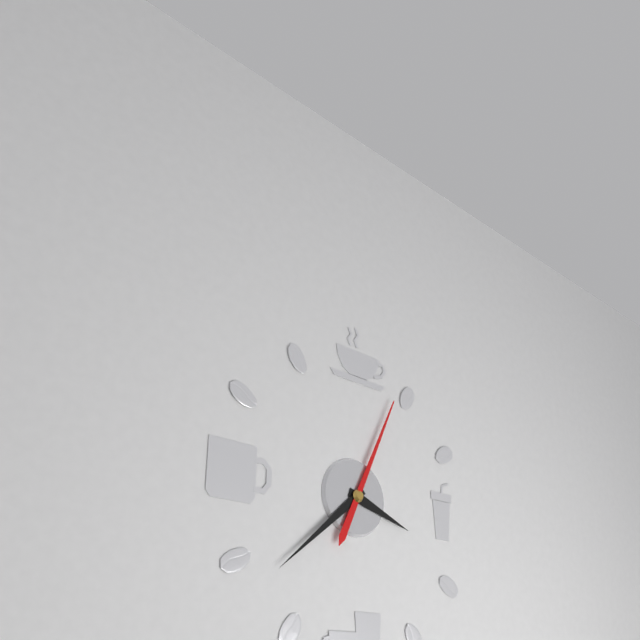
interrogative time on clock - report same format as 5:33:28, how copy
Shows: 3:38:04
